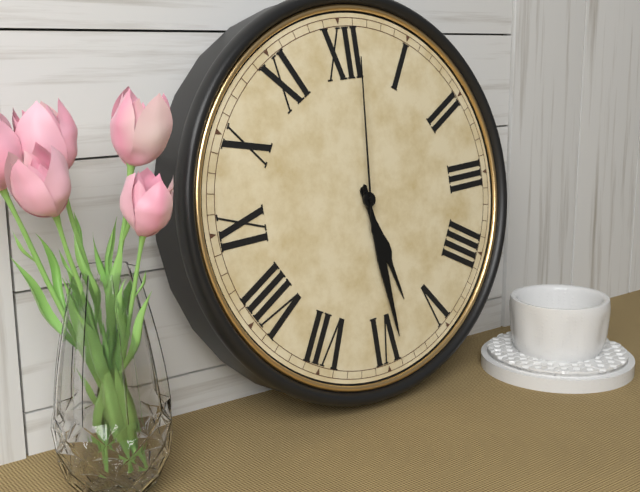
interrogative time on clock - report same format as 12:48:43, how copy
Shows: 5:29:01
